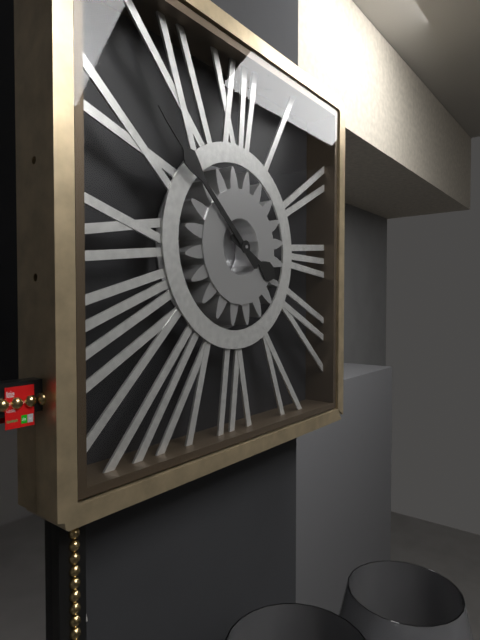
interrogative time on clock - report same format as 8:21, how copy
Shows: 3:52
